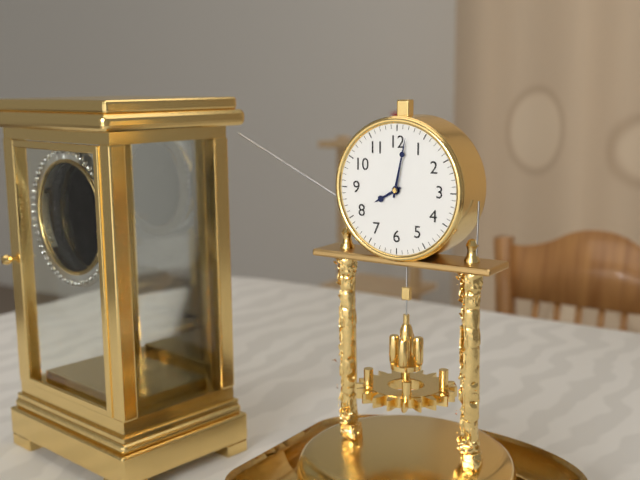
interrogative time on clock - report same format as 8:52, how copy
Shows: 8:02
